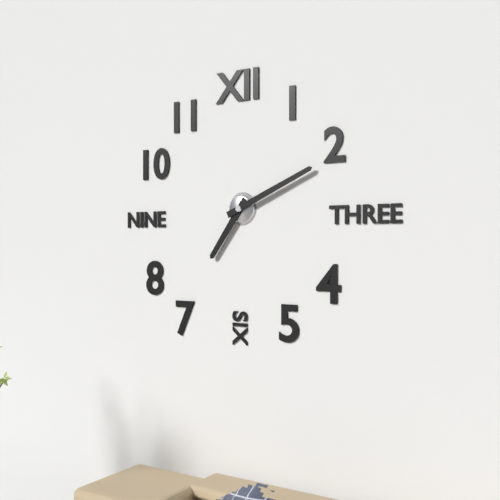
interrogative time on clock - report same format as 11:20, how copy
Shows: 7:11
